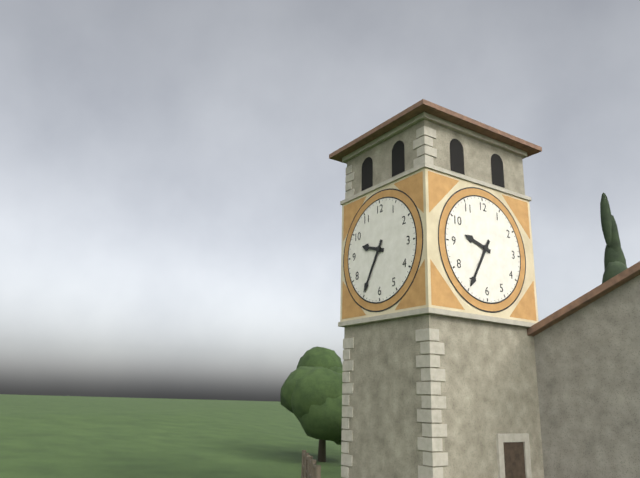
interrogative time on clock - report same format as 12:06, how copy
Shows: 9:35
